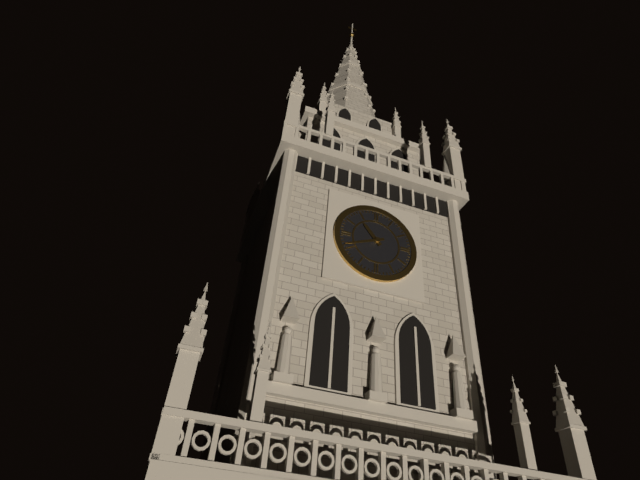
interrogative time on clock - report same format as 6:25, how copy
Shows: 10:41
